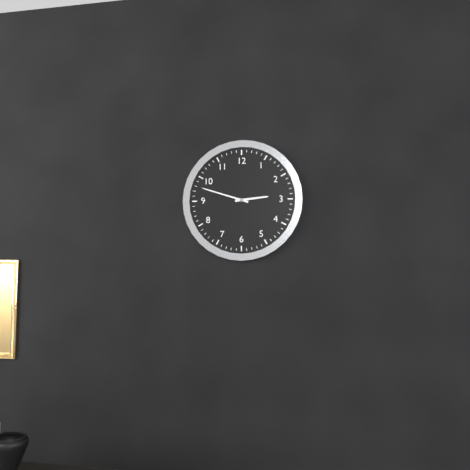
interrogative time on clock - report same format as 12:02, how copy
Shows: 2:48
